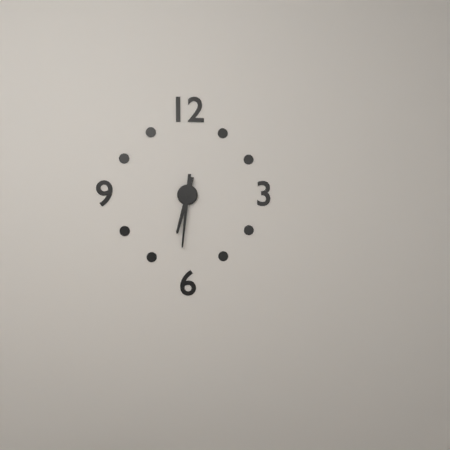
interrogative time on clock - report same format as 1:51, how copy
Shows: 6:31
